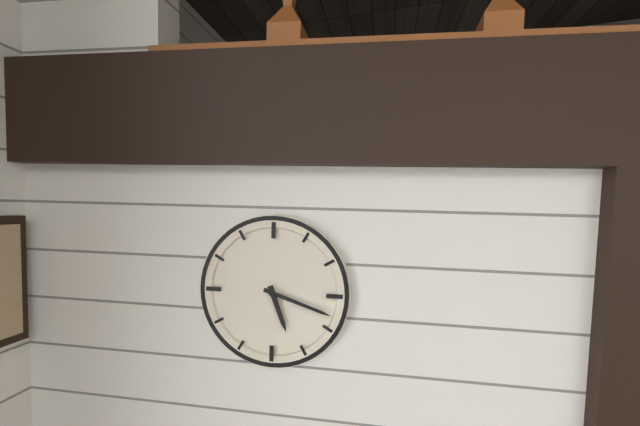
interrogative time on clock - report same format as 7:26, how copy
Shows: 5:18
